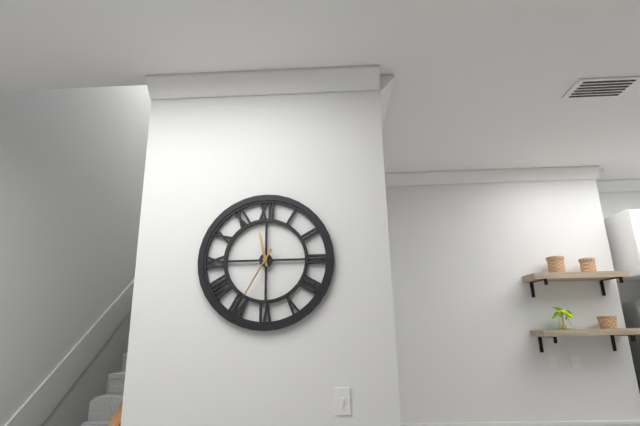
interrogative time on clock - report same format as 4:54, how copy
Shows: 11:35
